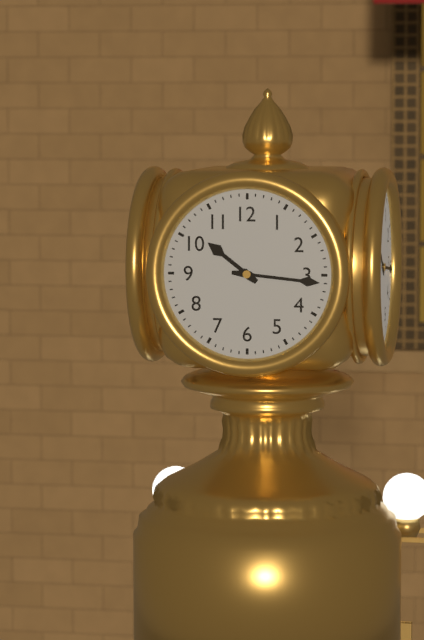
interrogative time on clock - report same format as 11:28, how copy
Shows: 10:16
